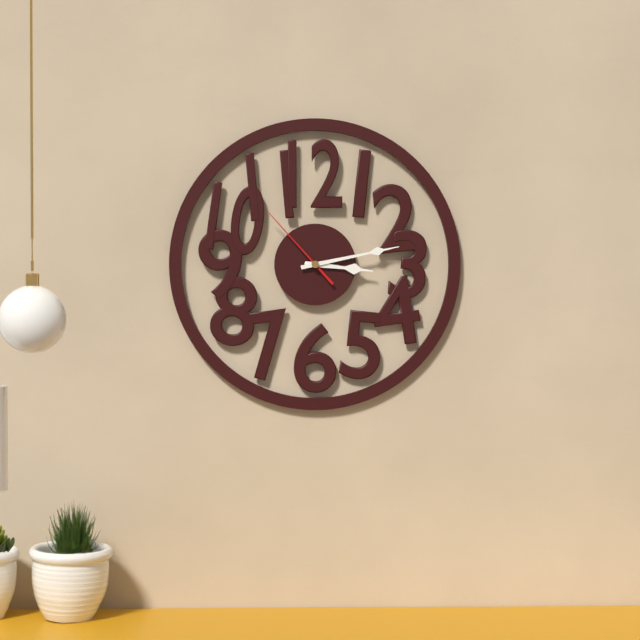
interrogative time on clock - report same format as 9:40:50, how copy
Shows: 3:13:53
